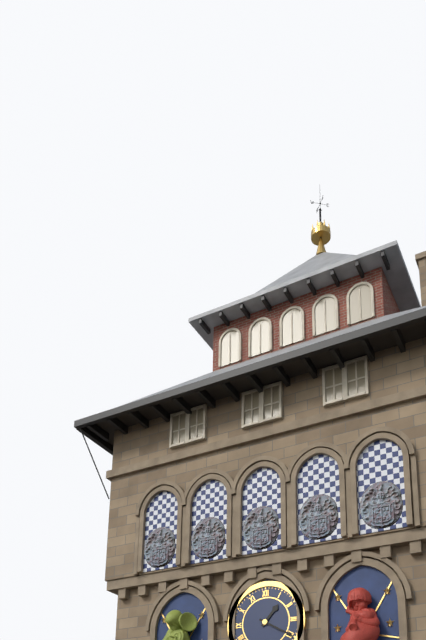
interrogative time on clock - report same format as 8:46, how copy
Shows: 1:20
